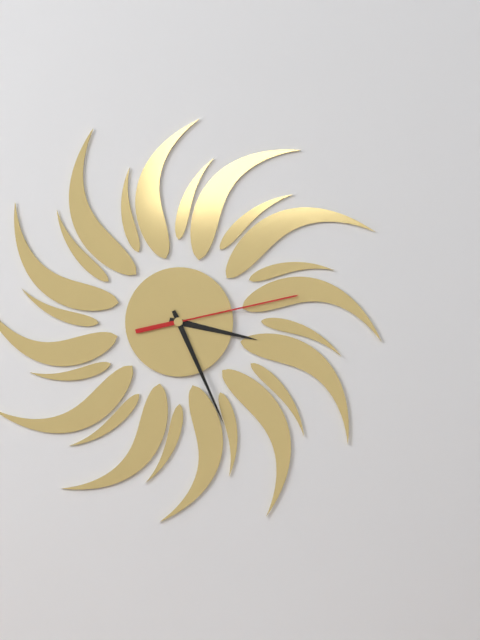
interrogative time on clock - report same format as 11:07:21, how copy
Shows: 3:26:13
